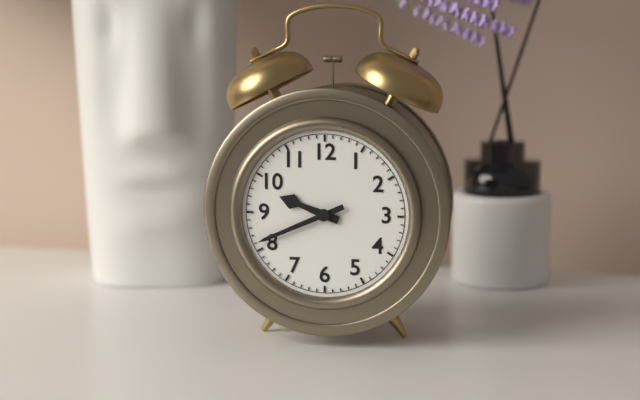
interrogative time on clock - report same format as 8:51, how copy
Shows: 9:41
